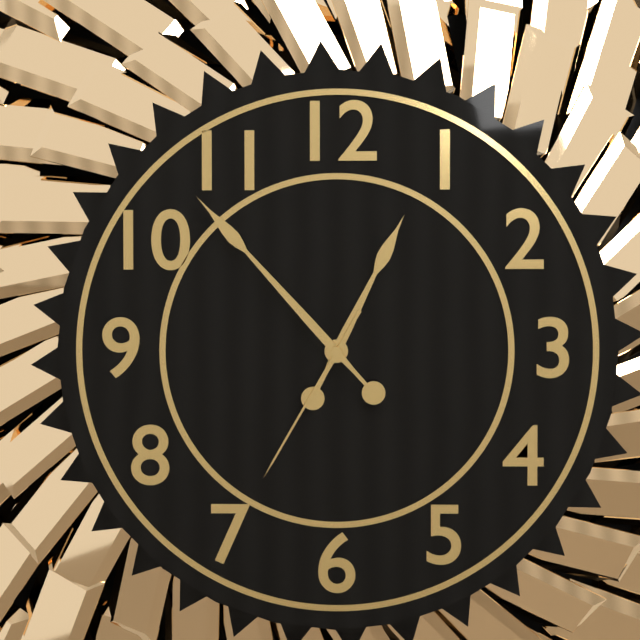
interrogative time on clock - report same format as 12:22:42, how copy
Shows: 12:53:35
